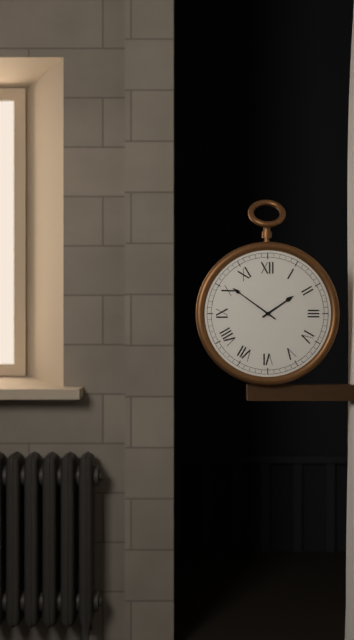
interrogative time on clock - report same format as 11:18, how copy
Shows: 1:51
